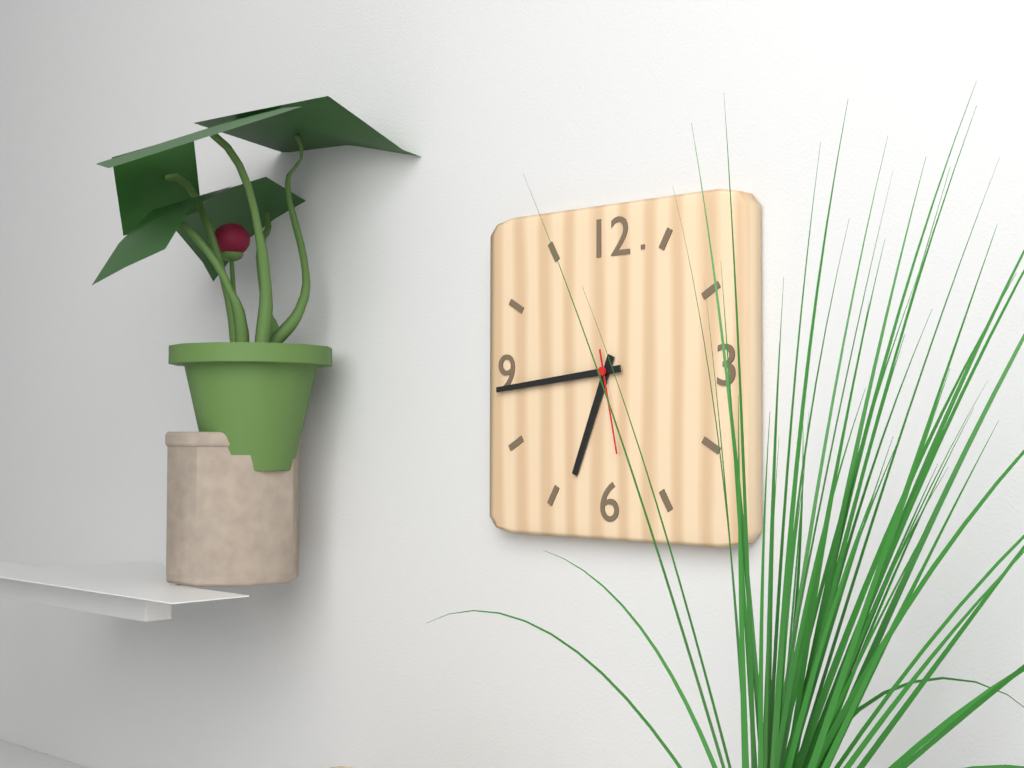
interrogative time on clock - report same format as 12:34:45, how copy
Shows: 6:44:28
